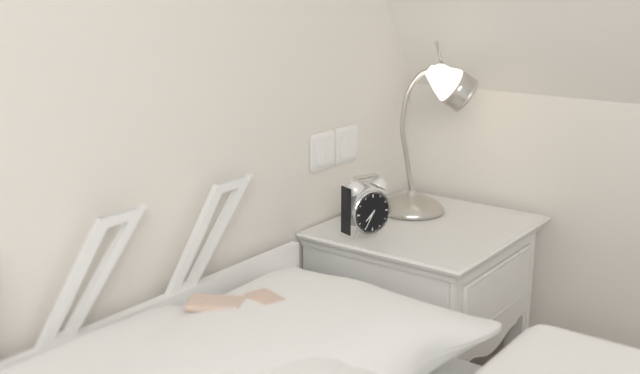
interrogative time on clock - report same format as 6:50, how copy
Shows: 7:35
